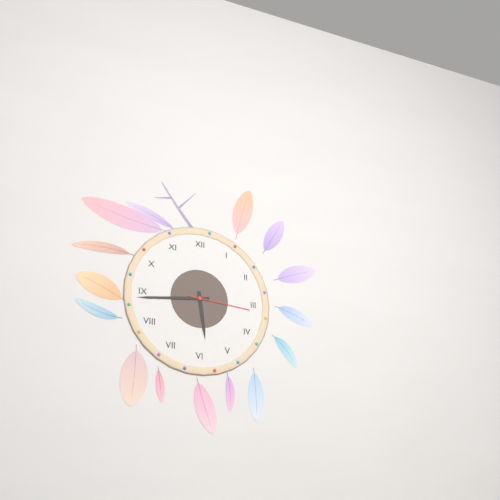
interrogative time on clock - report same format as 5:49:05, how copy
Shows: 5:44:16
